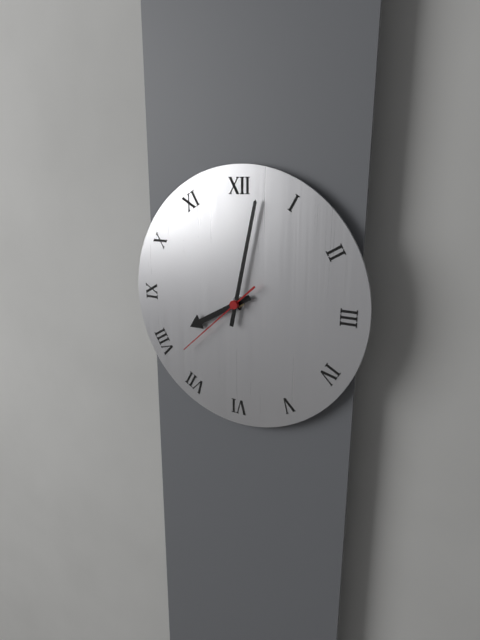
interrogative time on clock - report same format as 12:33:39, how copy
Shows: 8:02:38
